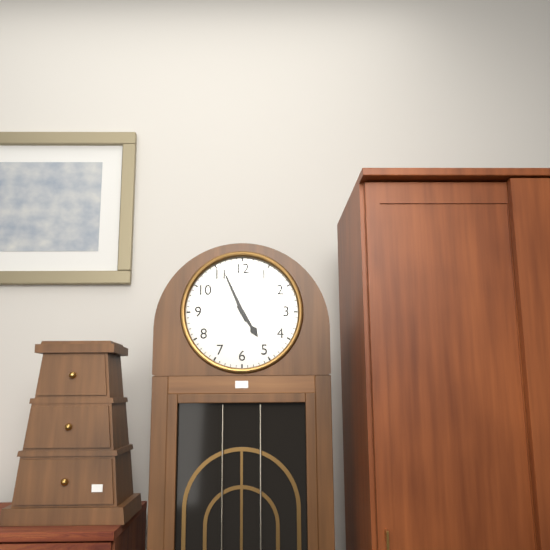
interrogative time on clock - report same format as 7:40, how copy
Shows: 4:56
